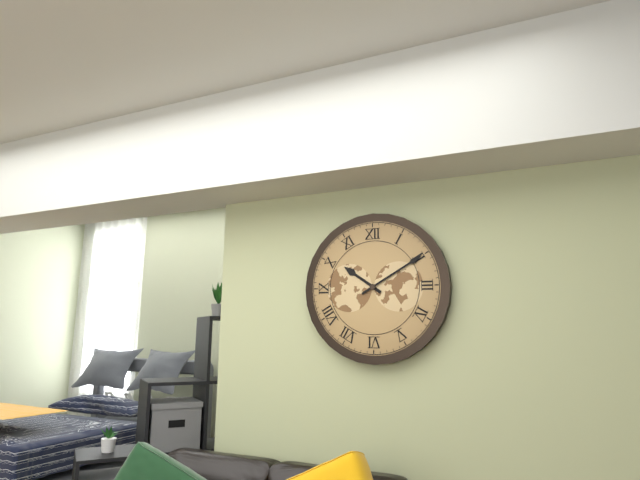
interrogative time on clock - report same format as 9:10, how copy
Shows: 10:10
